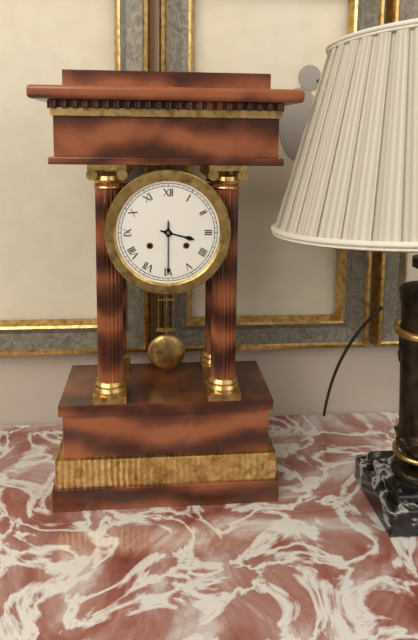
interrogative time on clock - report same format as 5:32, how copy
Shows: 3:30
